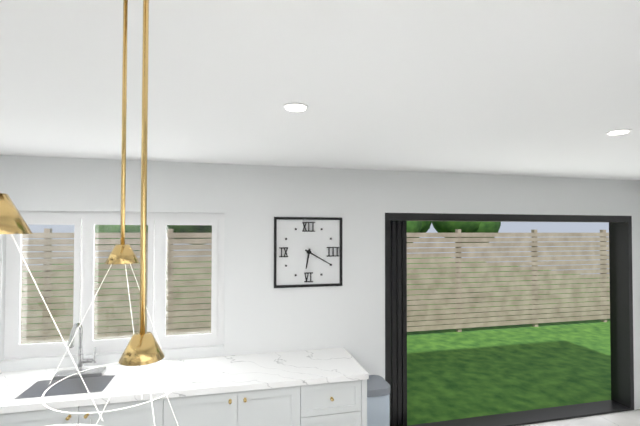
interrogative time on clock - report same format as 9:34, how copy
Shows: 6:20
